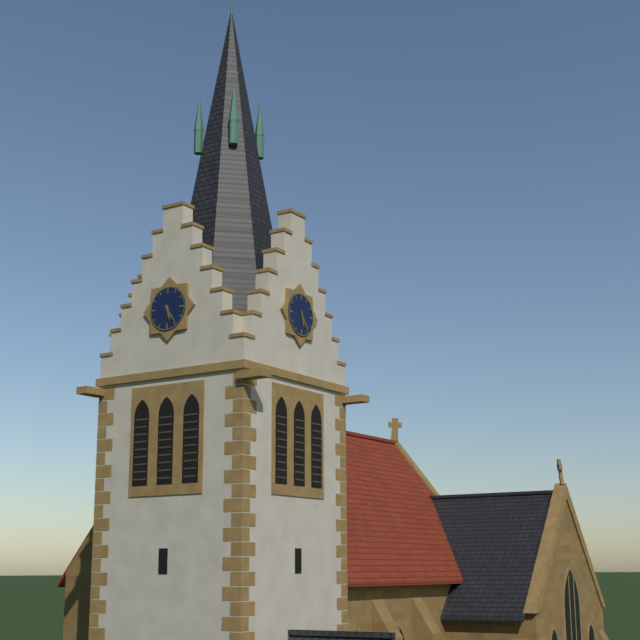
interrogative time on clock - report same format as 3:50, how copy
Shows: 5:24
